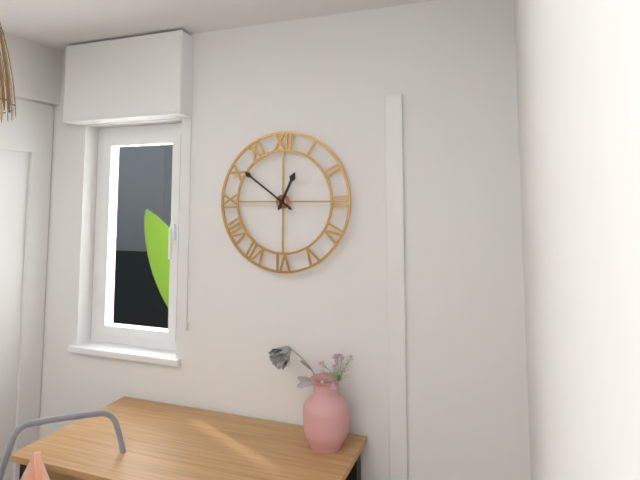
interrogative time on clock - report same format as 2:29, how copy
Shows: 12:51
